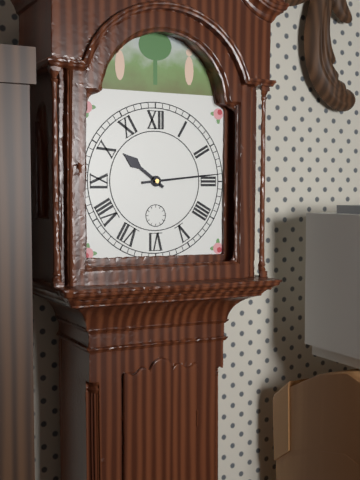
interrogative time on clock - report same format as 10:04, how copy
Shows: 10:14
